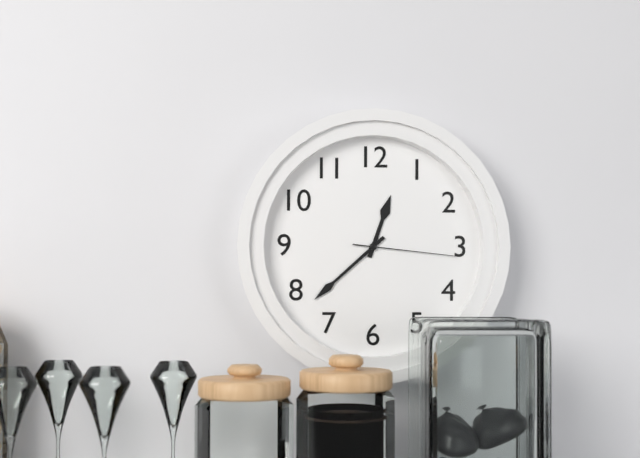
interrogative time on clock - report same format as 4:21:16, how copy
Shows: 12:38:16
